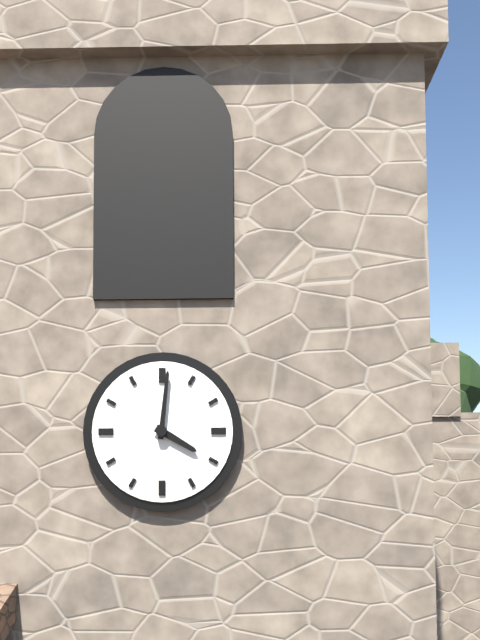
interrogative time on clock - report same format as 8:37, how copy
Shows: 4:01
